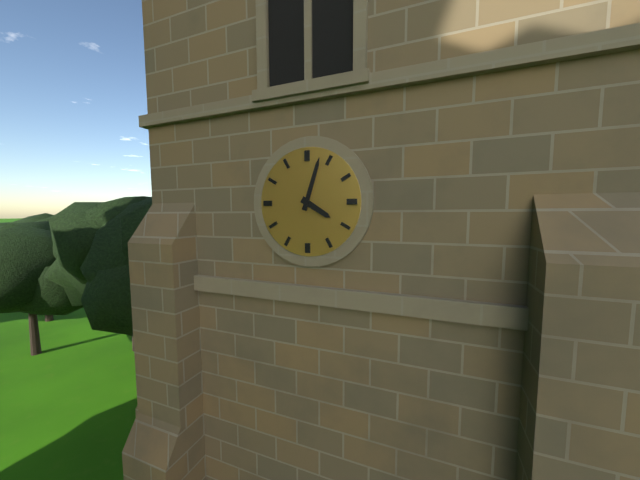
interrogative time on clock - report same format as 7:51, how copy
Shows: 4:03
